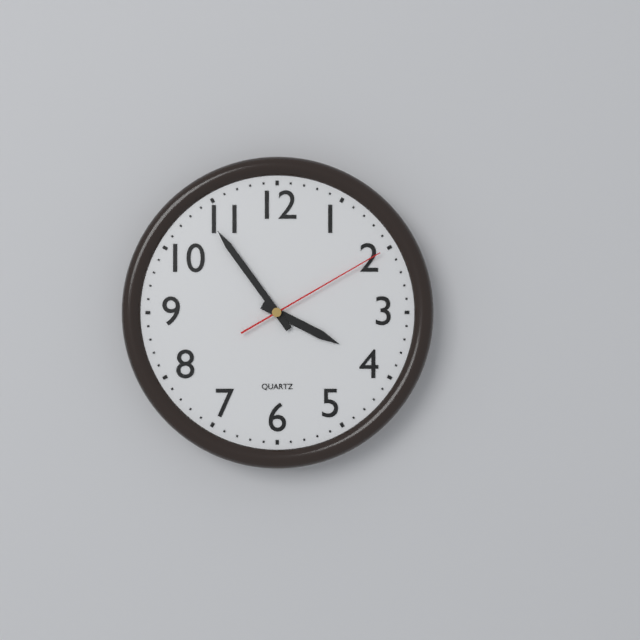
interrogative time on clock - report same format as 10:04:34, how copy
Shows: 3:54:10
